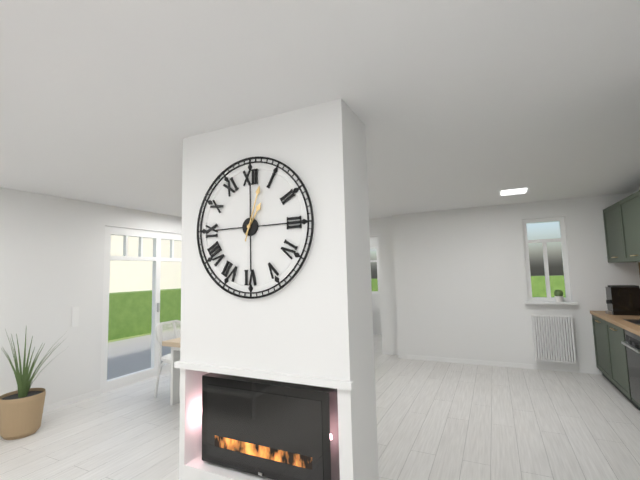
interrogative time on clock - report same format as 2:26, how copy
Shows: 1:03
